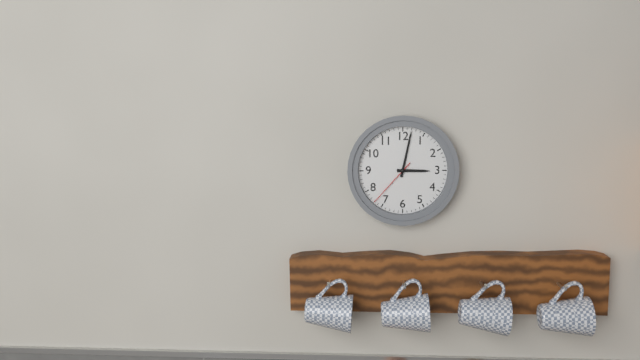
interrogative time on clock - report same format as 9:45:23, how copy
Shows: 3:02:37
